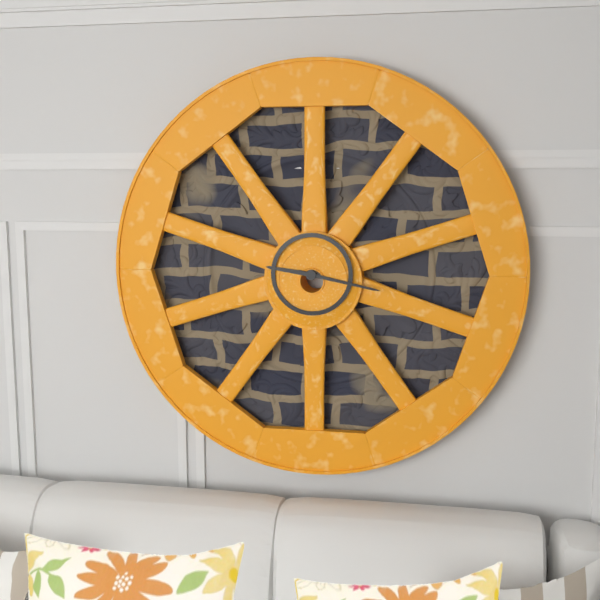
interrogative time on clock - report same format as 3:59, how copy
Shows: 9:17
